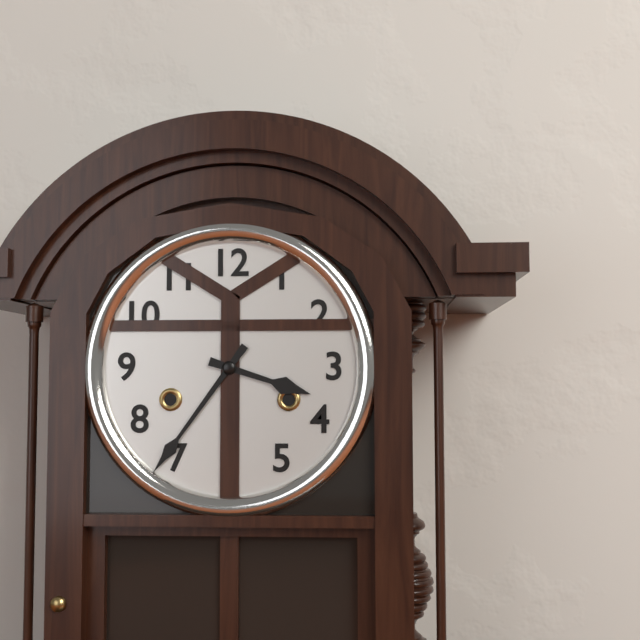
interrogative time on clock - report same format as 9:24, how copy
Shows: 3:36
